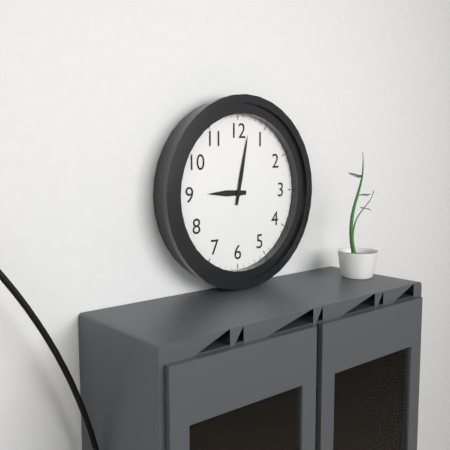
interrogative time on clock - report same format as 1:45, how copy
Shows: 9:02
